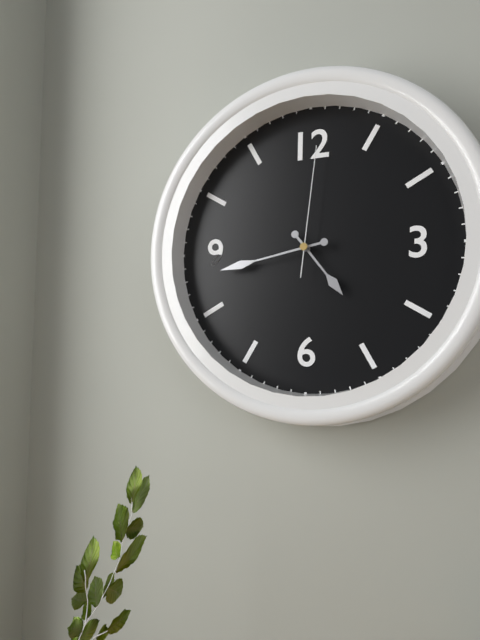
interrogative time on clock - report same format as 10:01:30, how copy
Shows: 4:43:01
